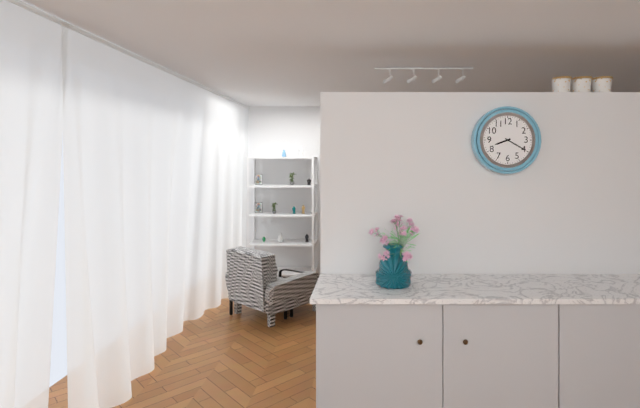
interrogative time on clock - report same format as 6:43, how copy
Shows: 8:20
